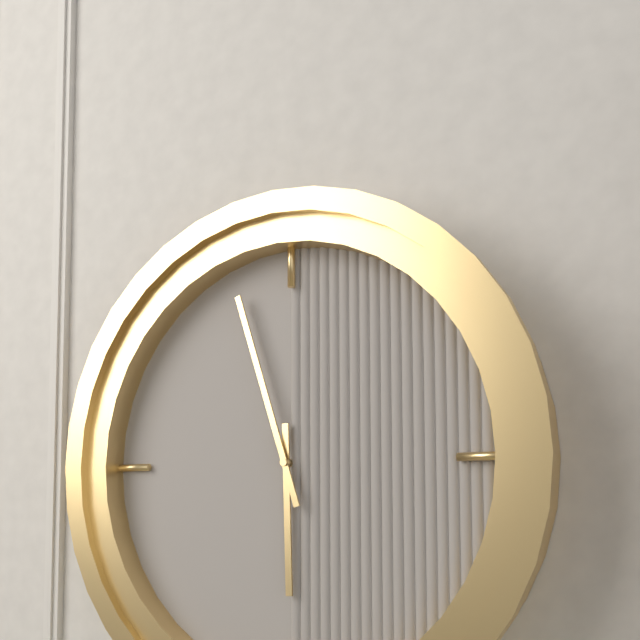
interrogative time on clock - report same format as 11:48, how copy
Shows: 5:57
